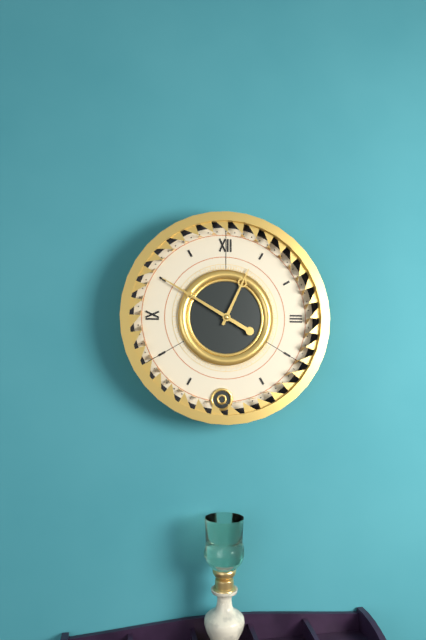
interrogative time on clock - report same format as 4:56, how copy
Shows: 12:50
